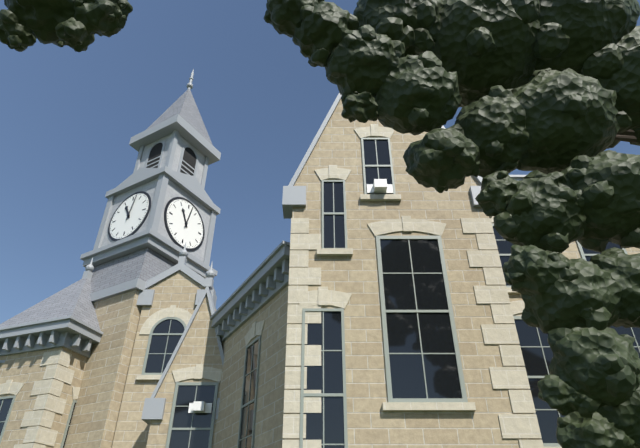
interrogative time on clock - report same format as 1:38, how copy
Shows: 11:02
